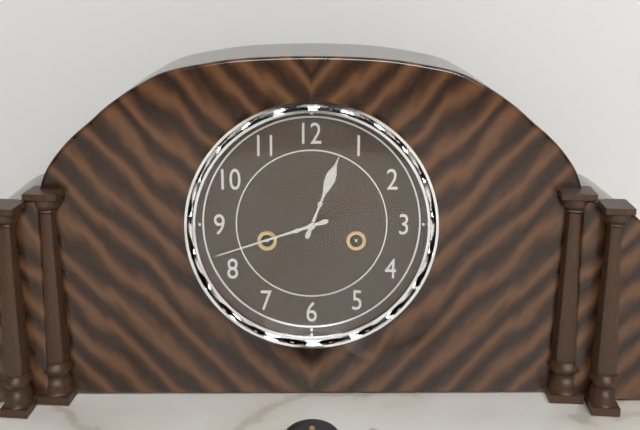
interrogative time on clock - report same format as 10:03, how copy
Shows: 12:42
